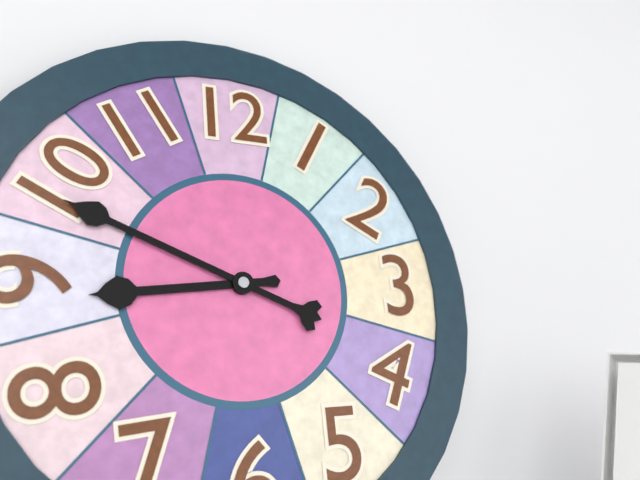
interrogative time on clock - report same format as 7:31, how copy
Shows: 8:49
